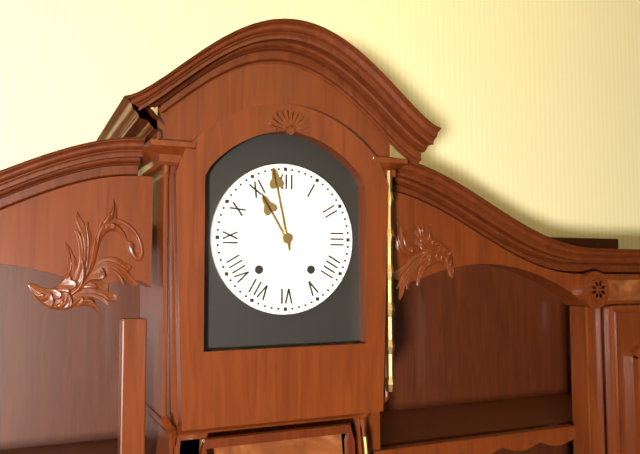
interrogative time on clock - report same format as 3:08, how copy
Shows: 10:58
